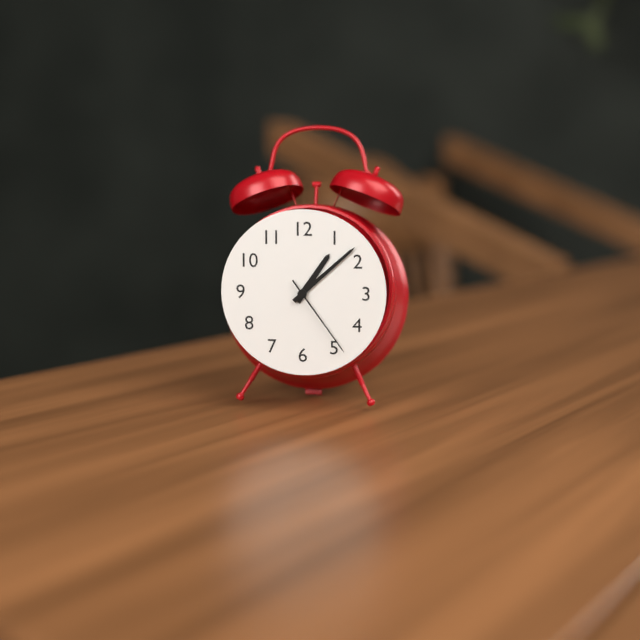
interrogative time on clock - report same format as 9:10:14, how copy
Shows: 1:08:24
